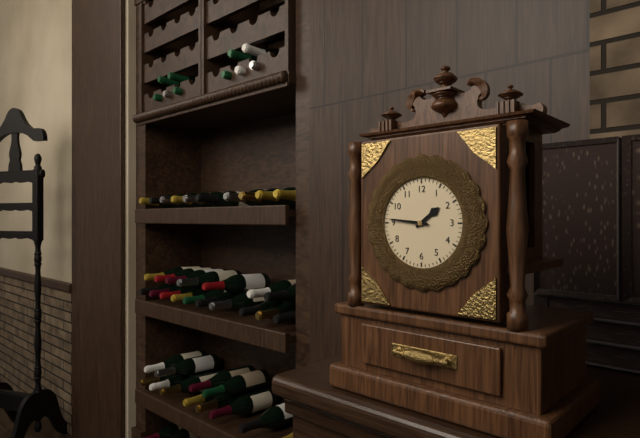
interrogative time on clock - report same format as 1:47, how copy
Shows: 1:46
